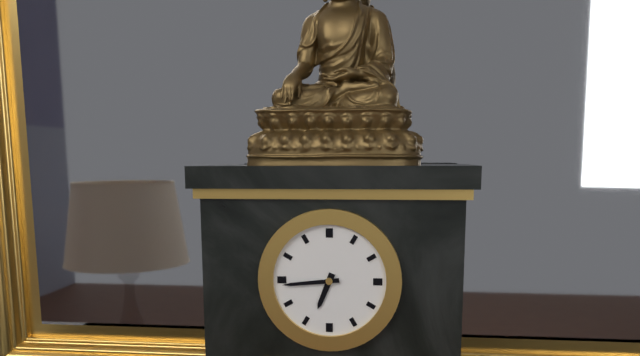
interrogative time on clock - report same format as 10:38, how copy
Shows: 6:44
